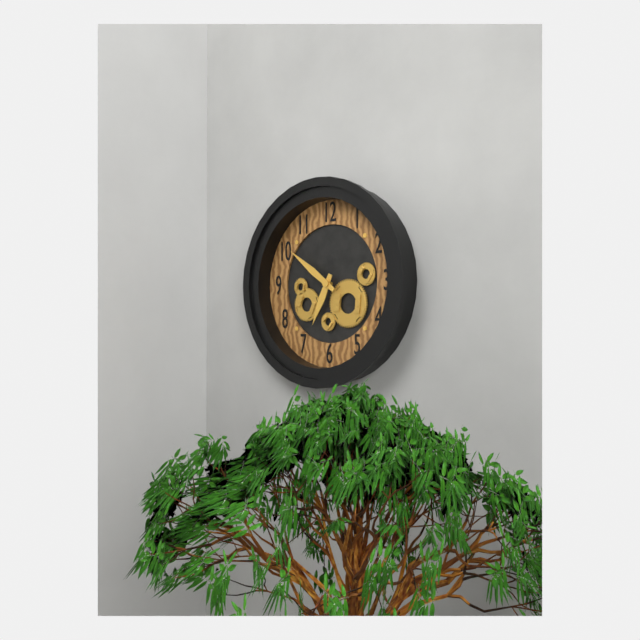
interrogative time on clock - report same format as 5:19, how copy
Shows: 6:51
